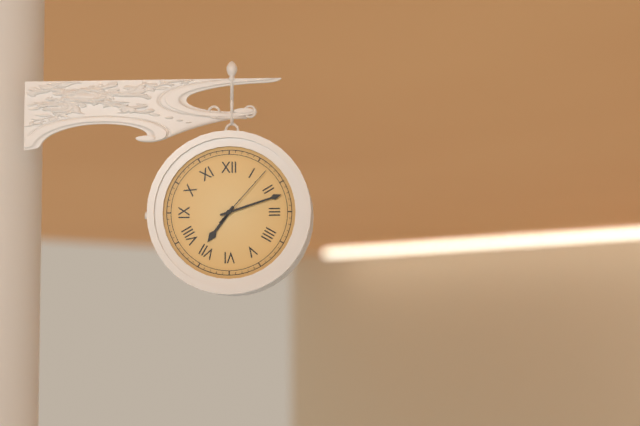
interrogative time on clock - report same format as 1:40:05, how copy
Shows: 7:12:07
